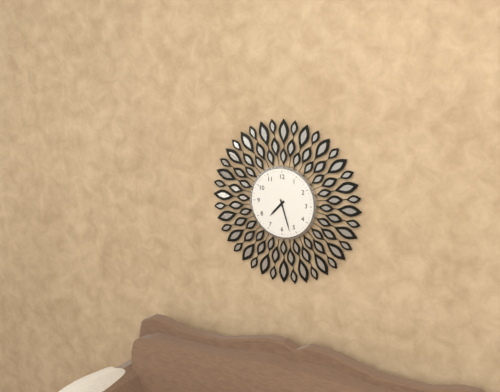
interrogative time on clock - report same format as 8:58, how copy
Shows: 7:27
